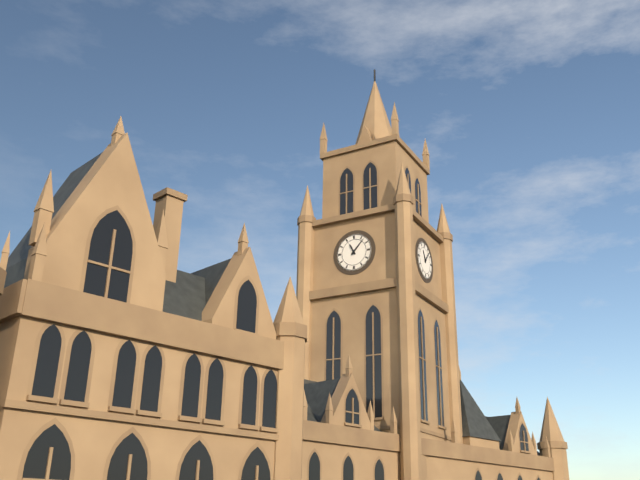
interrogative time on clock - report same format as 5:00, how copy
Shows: 11:07
